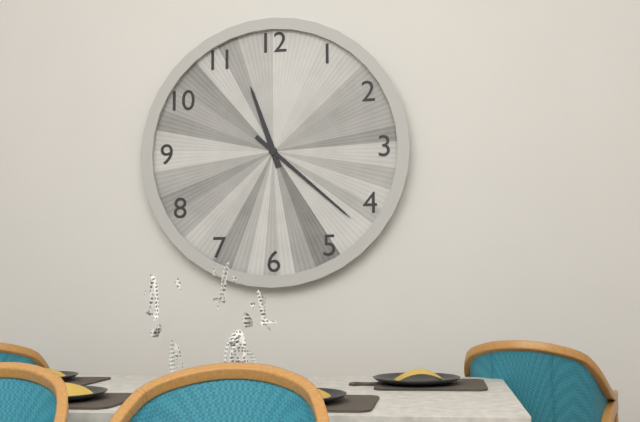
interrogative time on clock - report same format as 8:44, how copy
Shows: 11:22
